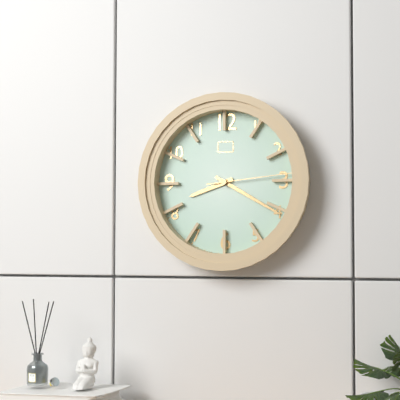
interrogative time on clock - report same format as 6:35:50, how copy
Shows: 8:20:14
